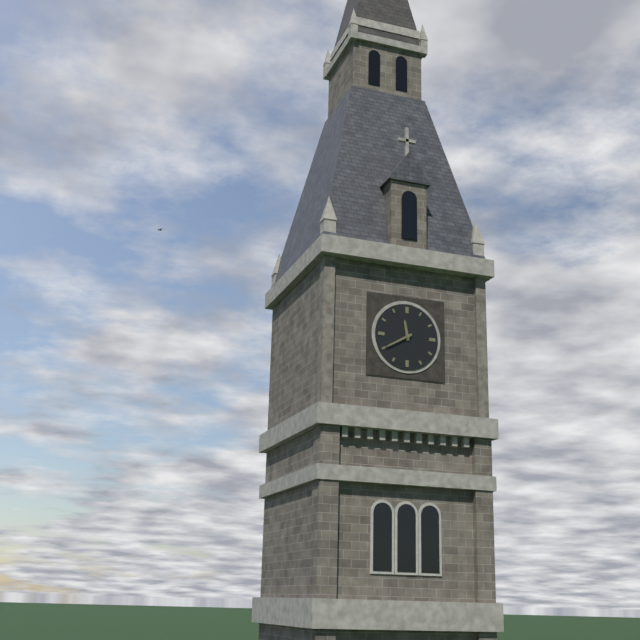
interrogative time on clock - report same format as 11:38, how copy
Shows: 11:40
